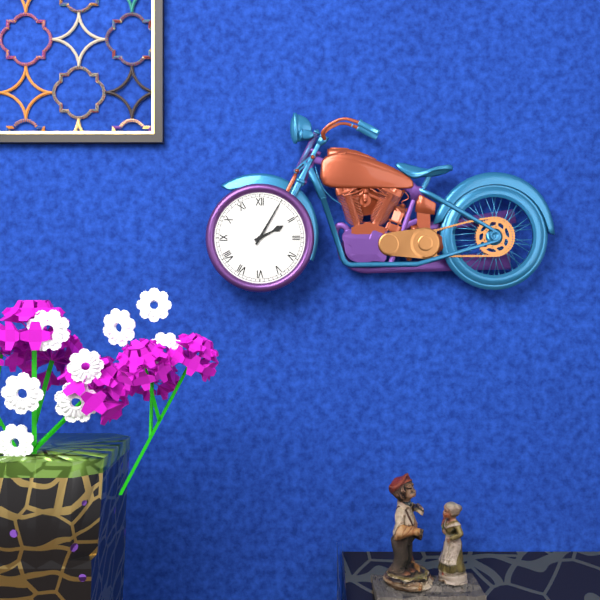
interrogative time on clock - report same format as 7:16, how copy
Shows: 2:05
